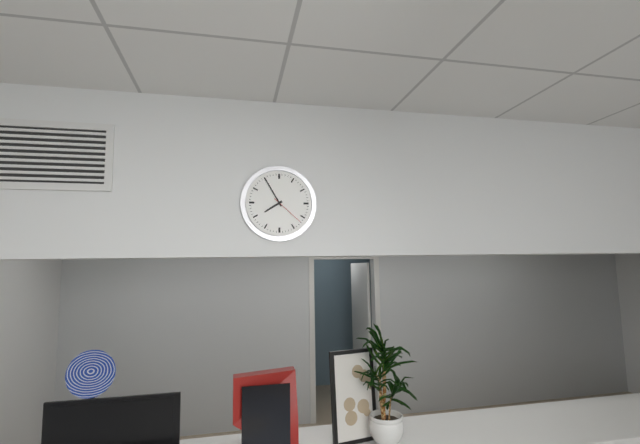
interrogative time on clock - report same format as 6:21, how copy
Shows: 7:55
